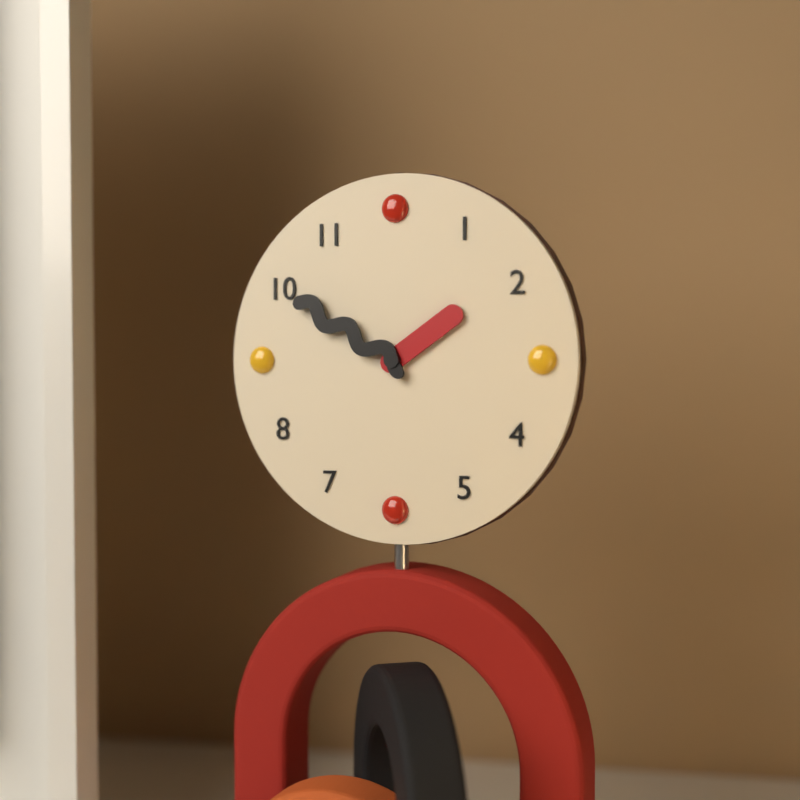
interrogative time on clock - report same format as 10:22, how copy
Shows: 1:50
